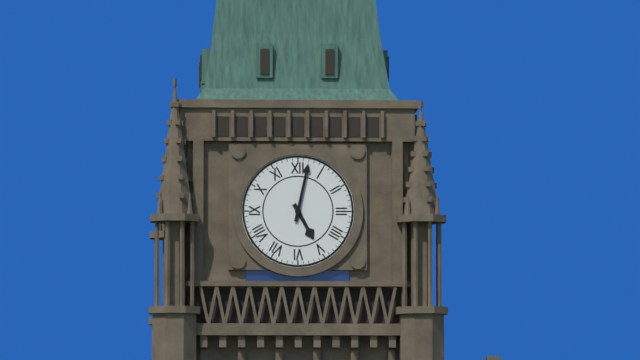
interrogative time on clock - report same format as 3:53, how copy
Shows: 5:02
